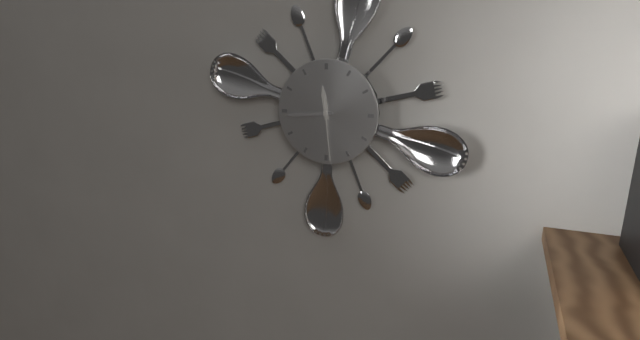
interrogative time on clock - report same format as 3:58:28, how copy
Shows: 11:44:29
